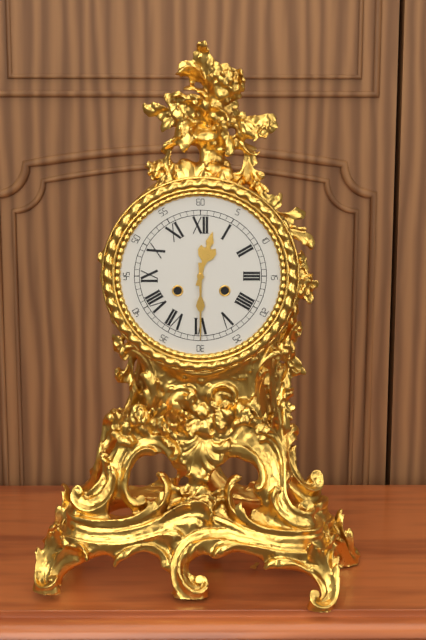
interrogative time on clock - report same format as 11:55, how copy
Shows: 12:30
